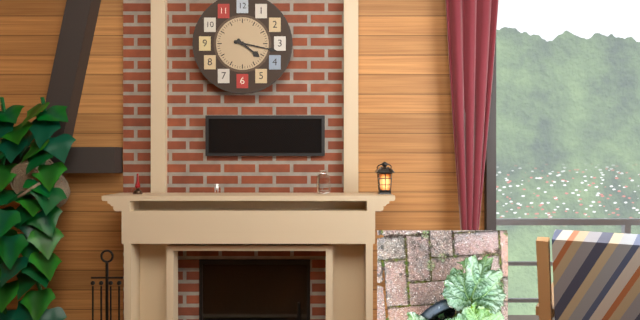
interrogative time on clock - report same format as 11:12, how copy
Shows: 4:17
